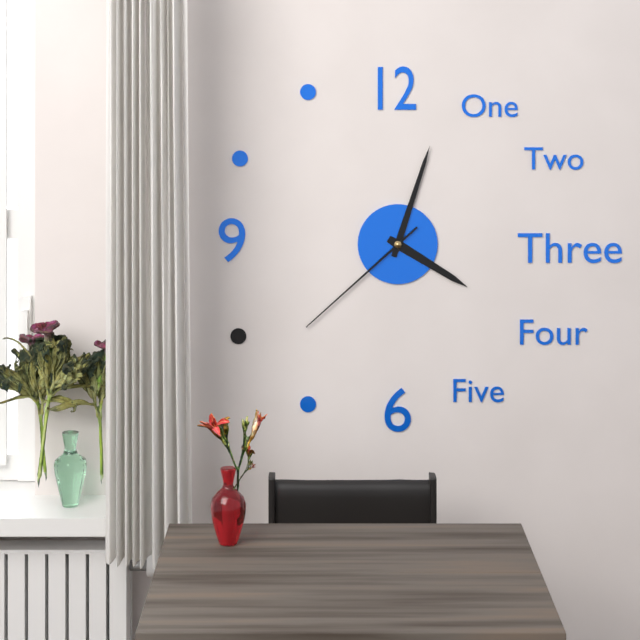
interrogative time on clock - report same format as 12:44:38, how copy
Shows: 4:03:38
